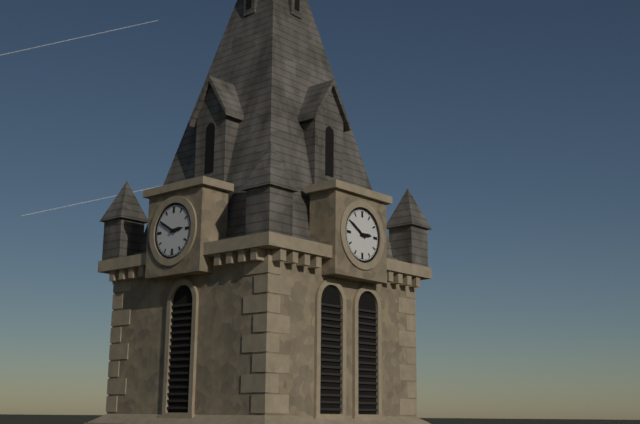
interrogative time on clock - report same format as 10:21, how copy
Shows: 2:50
